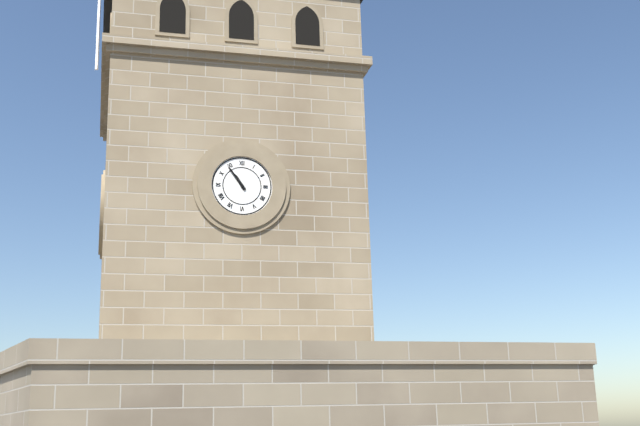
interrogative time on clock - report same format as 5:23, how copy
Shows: 10:54
